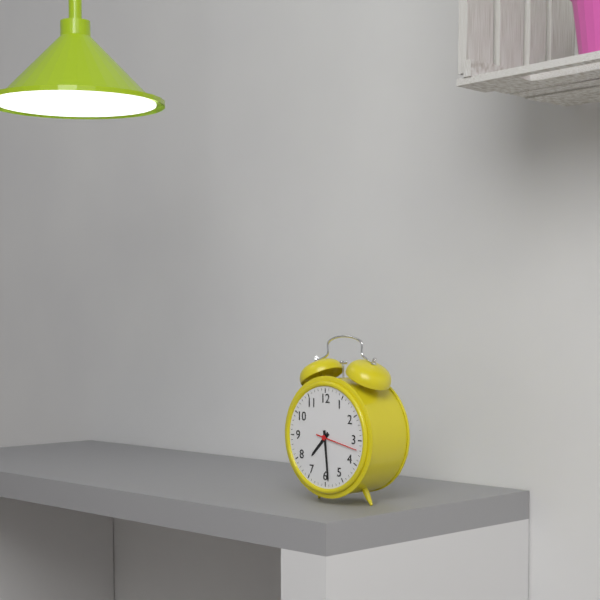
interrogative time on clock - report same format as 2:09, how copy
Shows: 7:29
